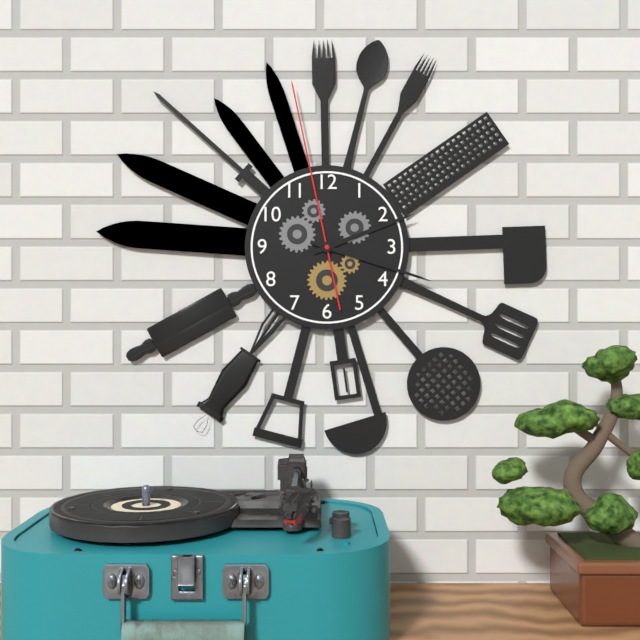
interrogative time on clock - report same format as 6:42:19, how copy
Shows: 2:18:58
